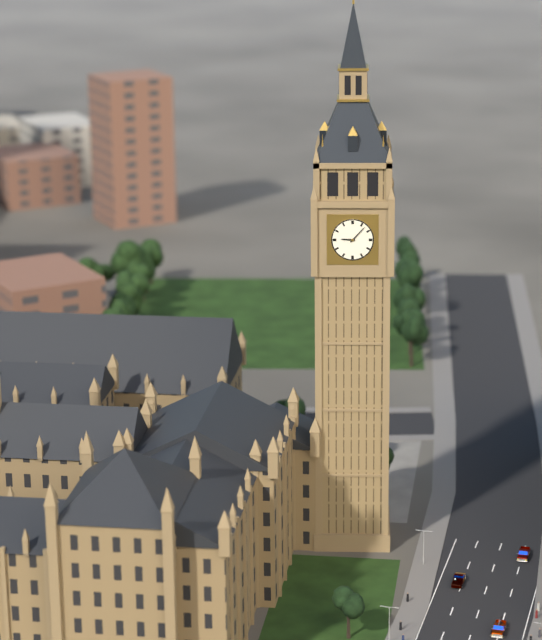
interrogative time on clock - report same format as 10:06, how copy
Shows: 9:07
